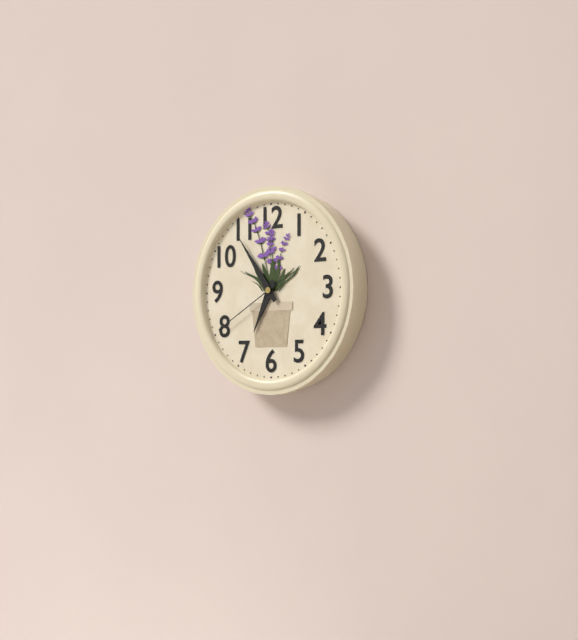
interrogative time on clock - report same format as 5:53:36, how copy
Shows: 6:54:40
